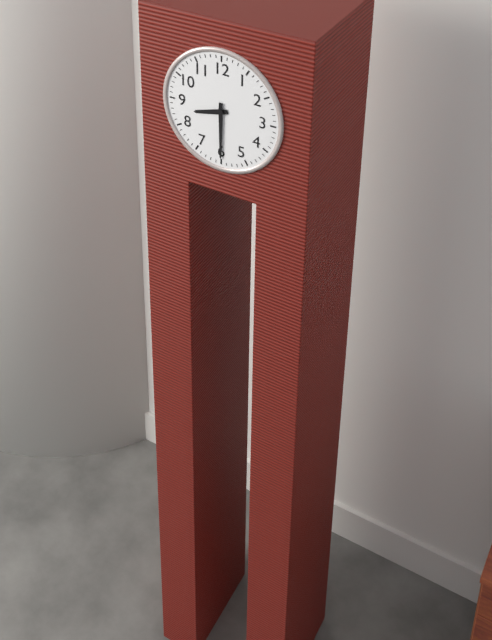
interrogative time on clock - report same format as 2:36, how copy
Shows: 8:30
